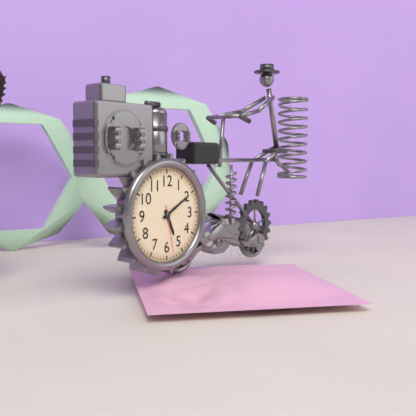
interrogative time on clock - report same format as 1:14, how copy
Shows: 5:10
